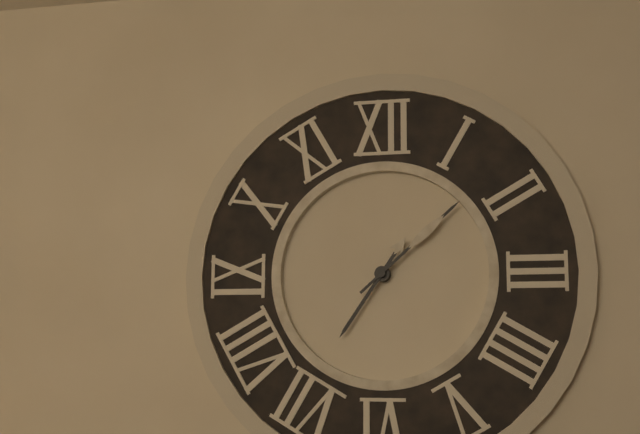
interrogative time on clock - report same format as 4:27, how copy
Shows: 7:08
